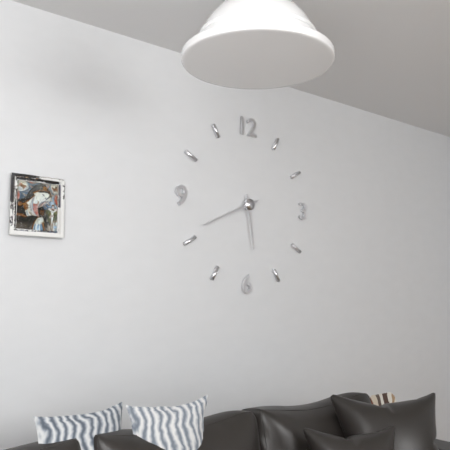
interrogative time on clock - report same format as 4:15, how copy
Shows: 5:41
